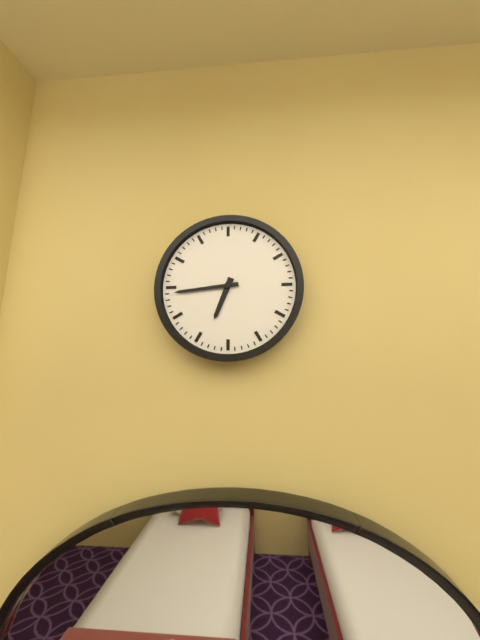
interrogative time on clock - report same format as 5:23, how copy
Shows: 6:44
